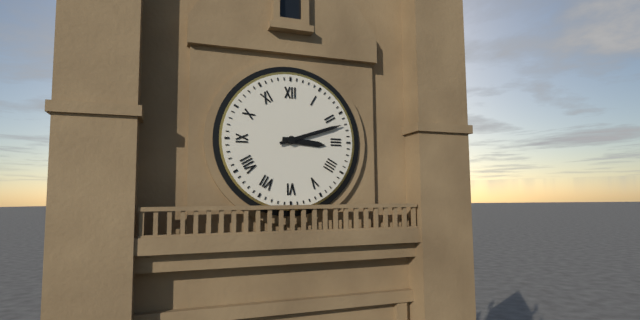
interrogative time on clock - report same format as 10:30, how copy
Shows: 3:12
